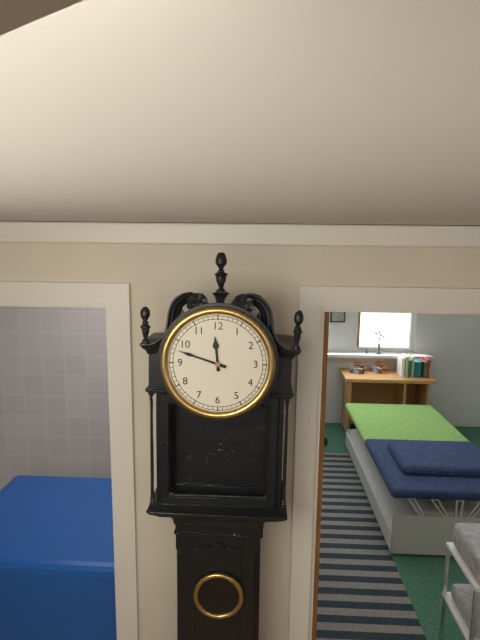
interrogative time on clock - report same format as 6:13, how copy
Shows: 11:48
